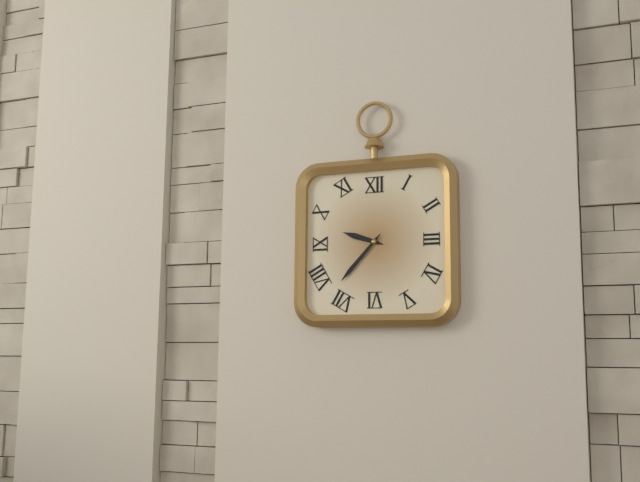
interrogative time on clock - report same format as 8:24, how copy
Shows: 9:37
